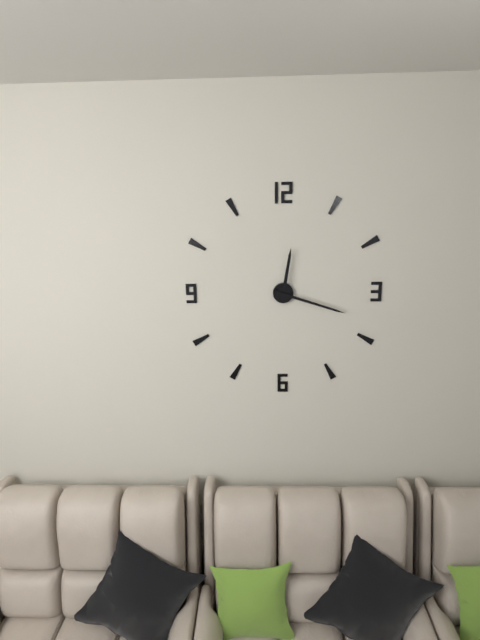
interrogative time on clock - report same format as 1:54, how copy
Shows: 12:18
